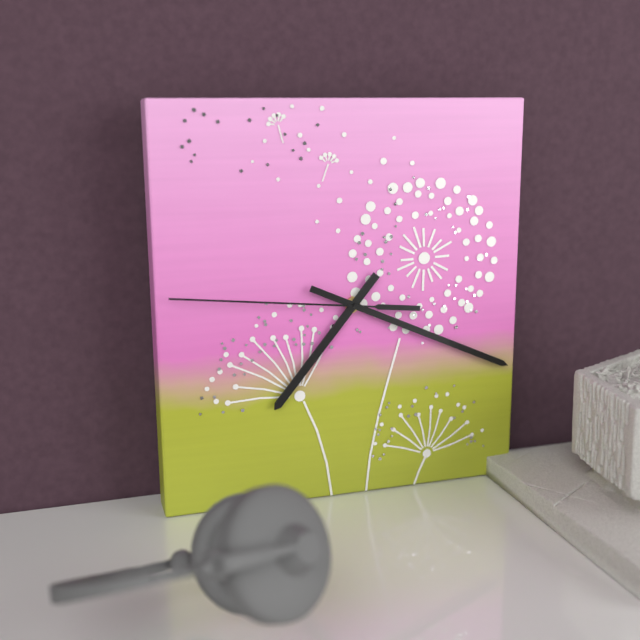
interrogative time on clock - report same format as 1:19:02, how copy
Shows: 7:19:46
